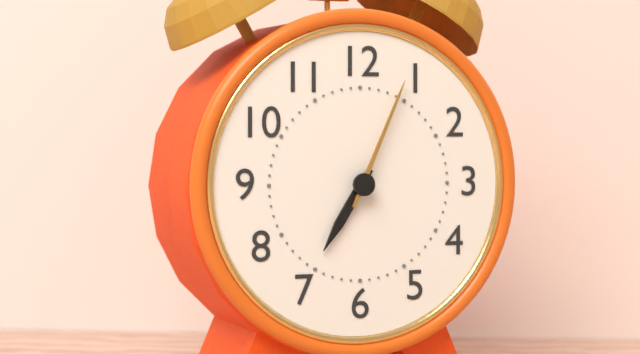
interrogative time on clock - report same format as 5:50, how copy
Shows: 7:04
